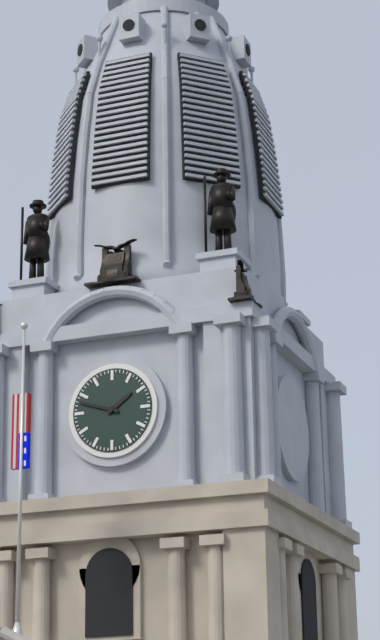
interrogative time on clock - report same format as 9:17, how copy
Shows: 1:48
